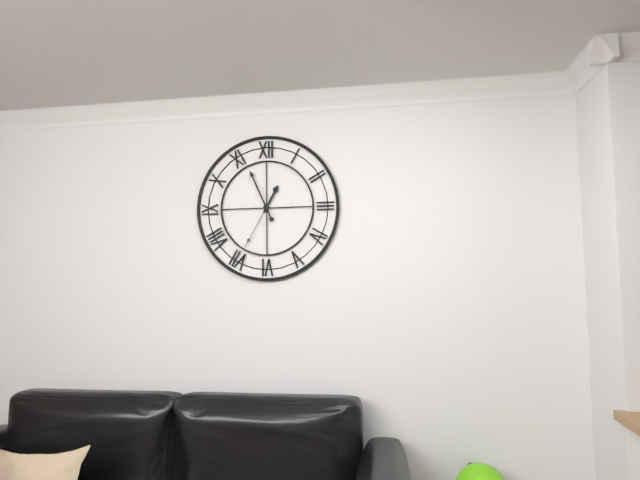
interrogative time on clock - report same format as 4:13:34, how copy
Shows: 12:56:35
